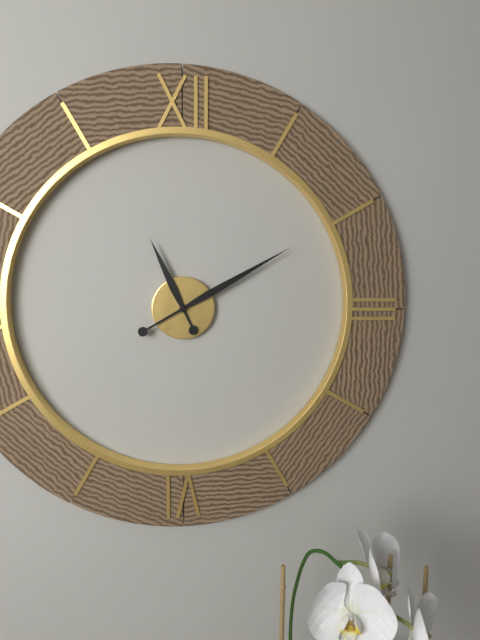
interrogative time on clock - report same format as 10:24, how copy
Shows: 11:10
